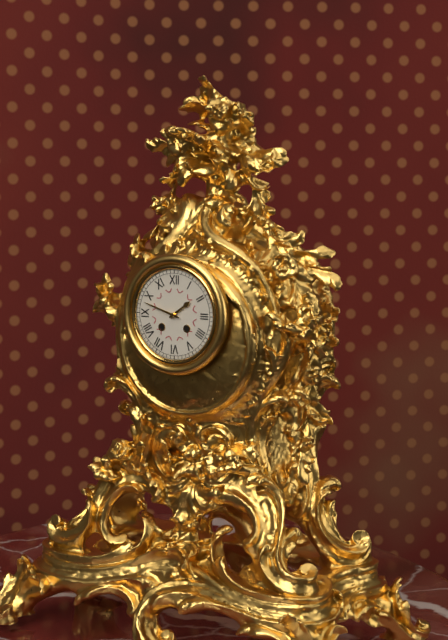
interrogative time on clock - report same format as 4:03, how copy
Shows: 1:48
